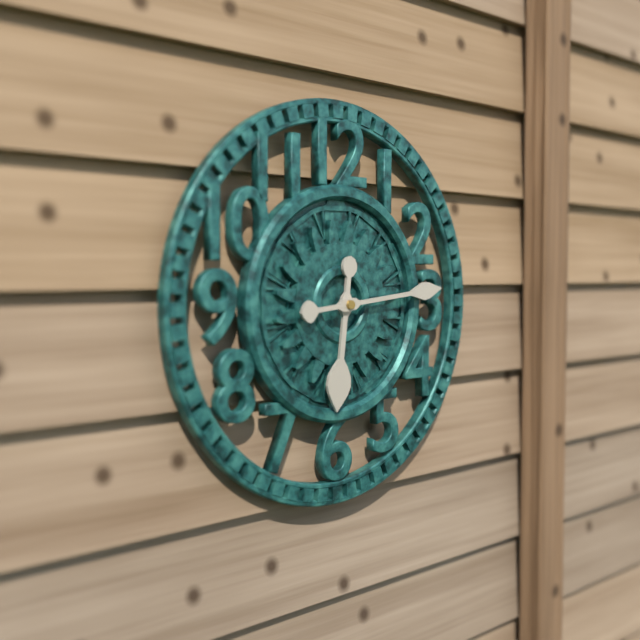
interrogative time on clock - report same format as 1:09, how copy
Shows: 6:14
